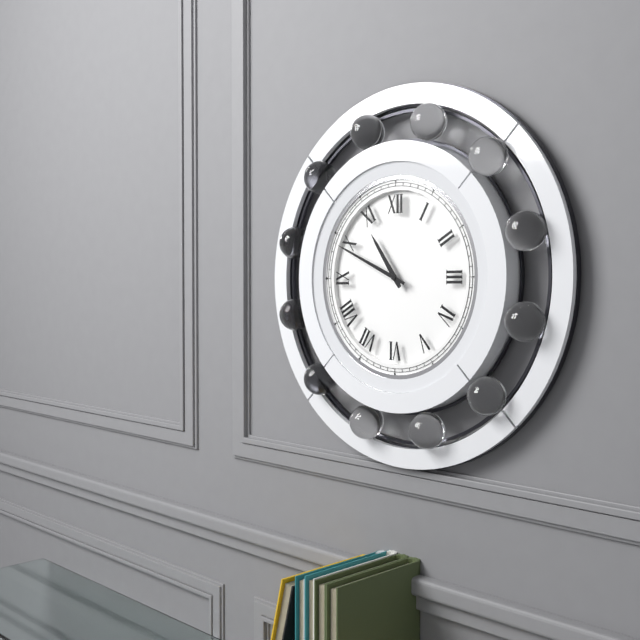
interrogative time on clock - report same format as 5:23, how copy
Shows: 10:49
